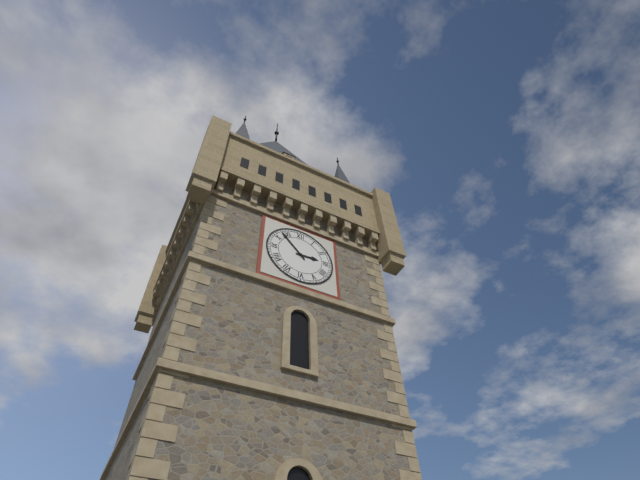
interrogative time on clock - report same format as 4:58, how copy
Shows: 2:53
